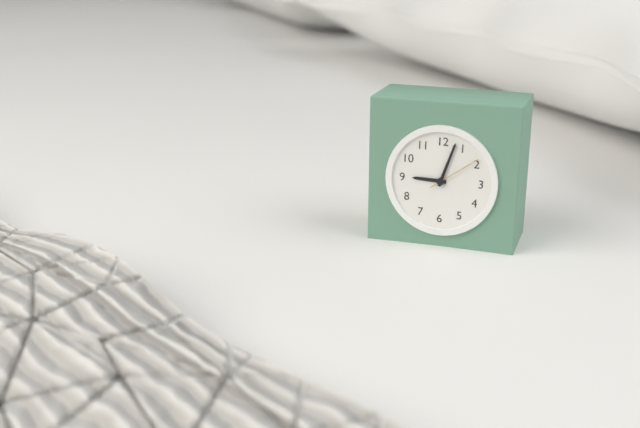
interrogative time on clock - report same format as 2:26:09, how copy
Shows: 9:03:09
